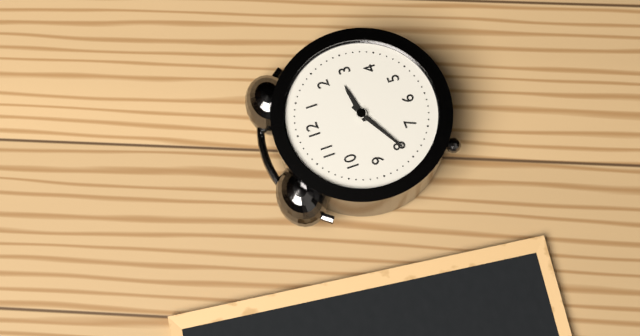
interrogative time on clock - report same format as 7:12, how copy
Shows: 2:40
